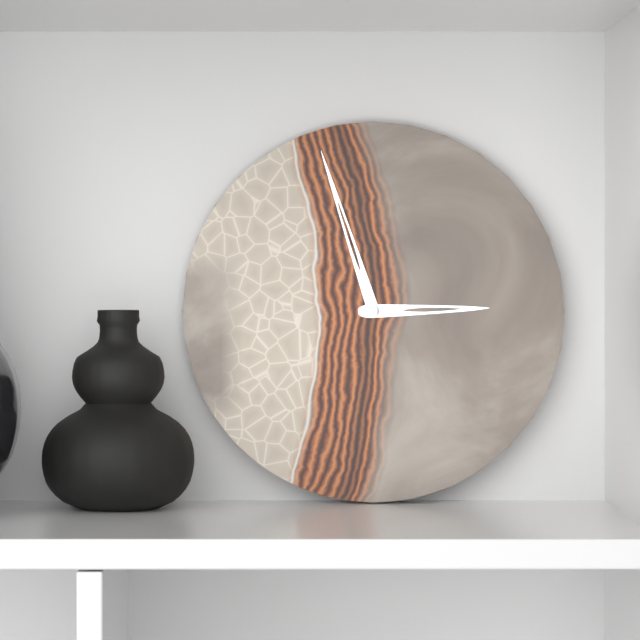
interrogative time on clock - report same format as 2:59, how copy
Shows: 2:57
